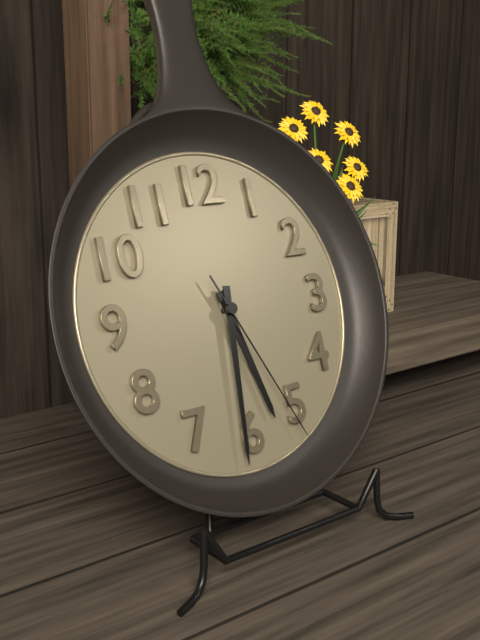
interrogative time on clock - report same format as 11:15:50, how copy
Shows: 5:31:26
